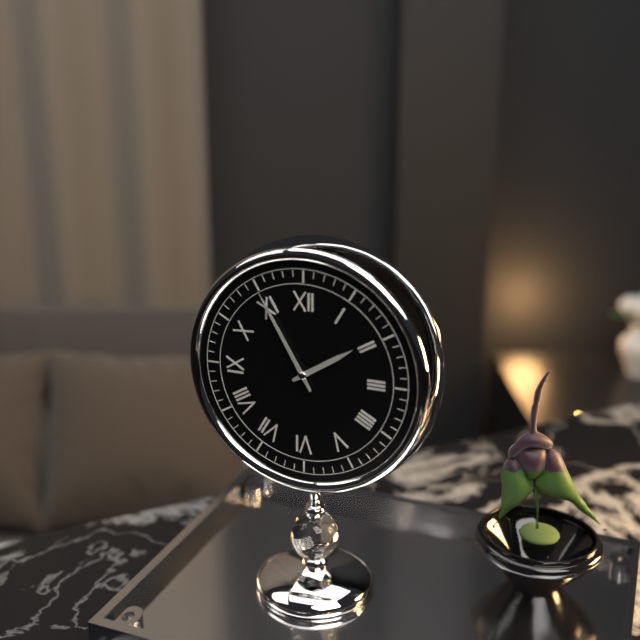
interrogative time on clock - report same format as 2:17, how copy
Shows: 1:55
